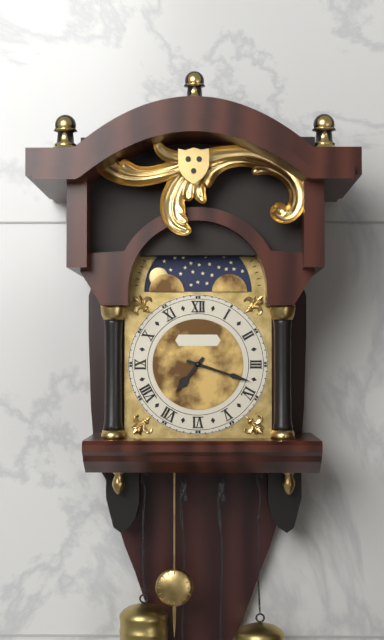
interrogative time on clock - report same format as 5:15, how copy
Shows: 7:18
